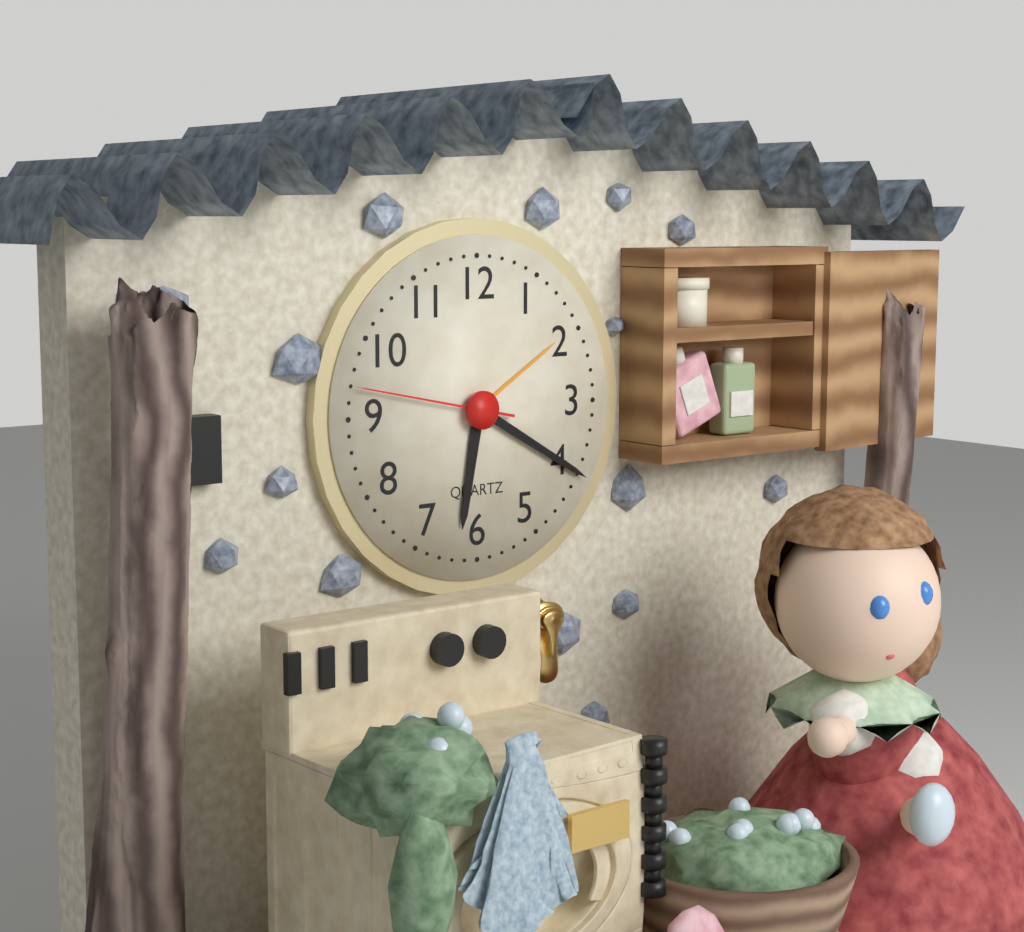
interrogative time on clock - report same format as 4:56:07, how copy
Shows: 6:20:47
